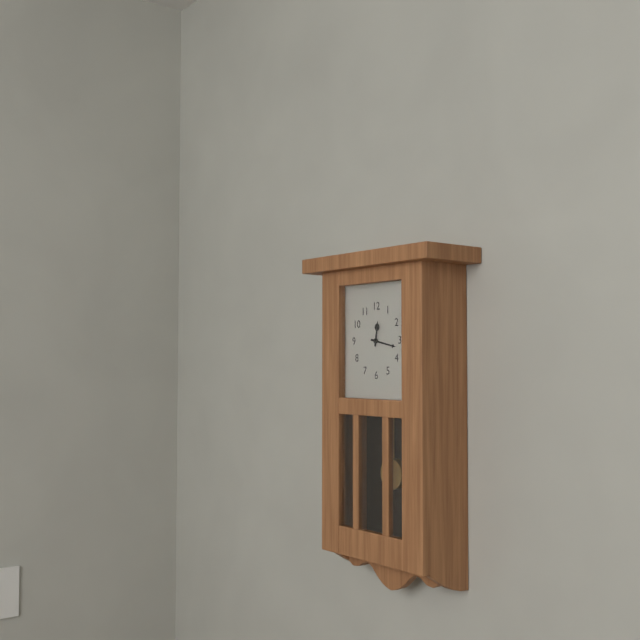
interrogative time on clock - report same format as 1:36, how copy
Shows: 12:17
